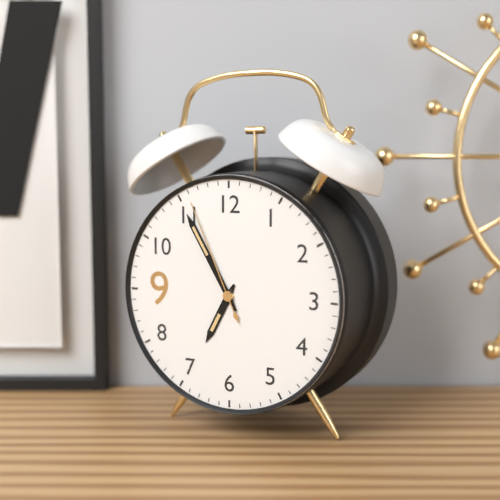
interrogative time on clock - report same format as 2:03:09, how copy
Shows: 6:55:56
